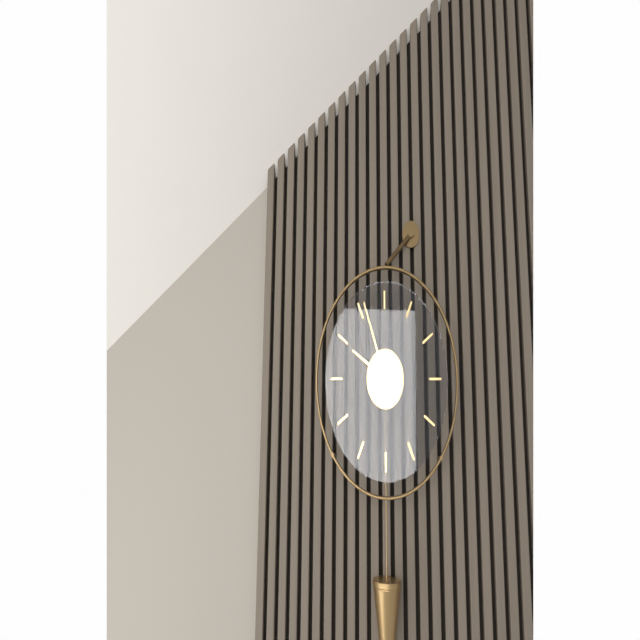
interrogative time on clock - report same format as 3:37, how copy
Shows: 9:56
